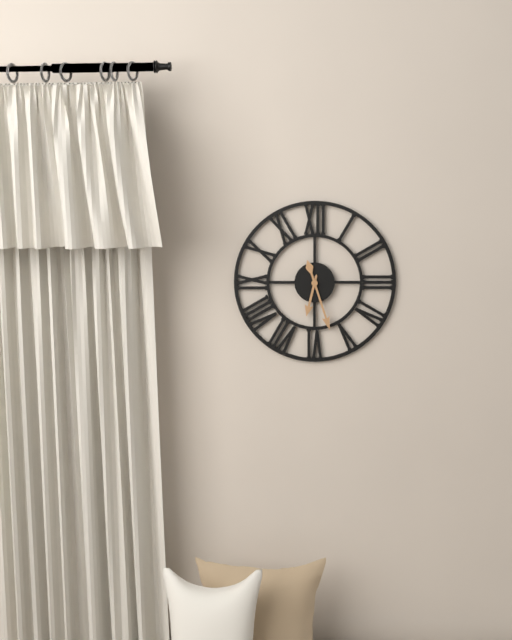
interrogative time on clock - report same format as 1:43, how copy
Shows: 6:27
